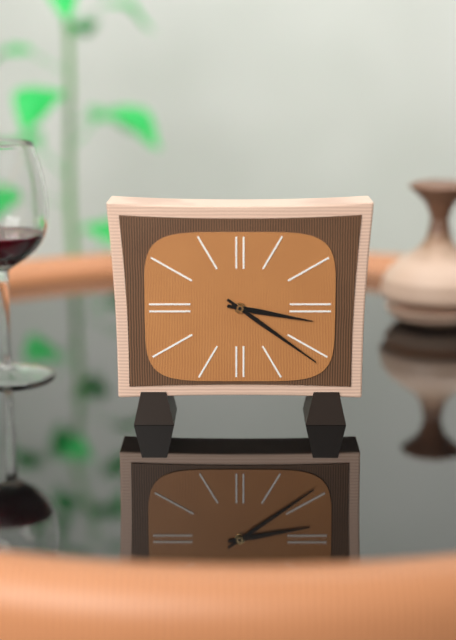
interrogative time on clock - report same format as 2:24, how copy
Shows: 3:21
